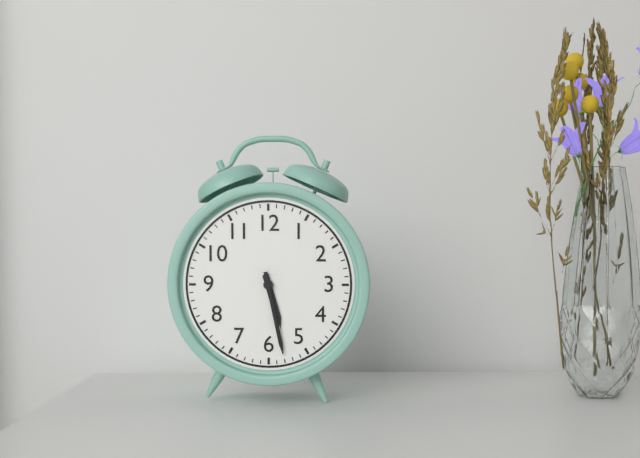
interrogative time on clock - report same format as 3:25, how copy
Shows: 5:28
